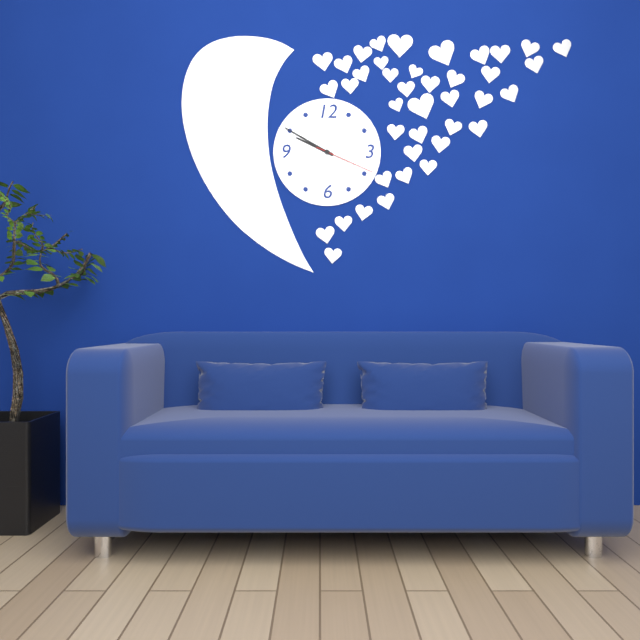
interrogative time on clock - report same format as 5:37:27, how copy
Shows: 9:50:19
